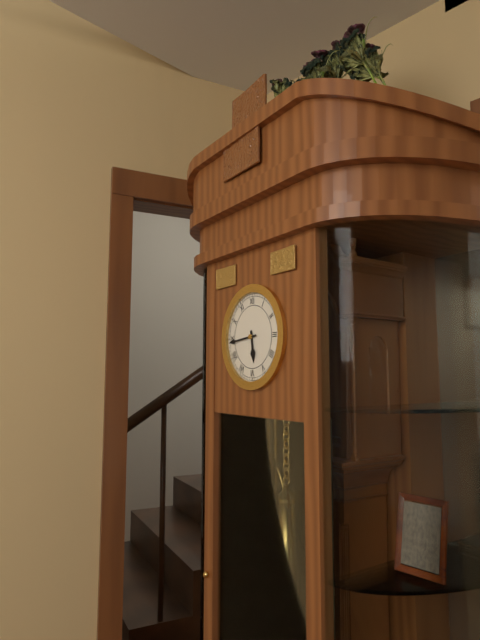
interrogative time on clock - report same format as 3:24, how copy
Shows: 5:44
